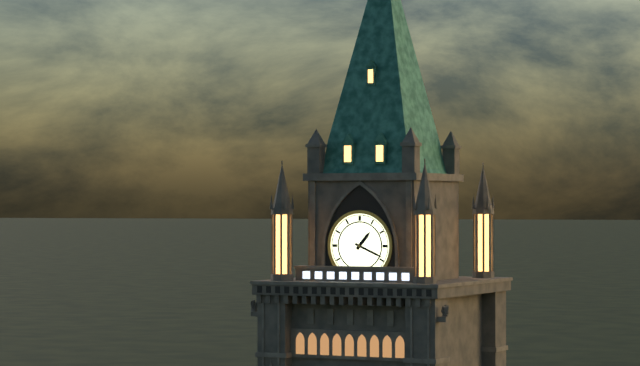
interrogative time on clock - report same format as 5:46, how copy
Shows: 1:19
